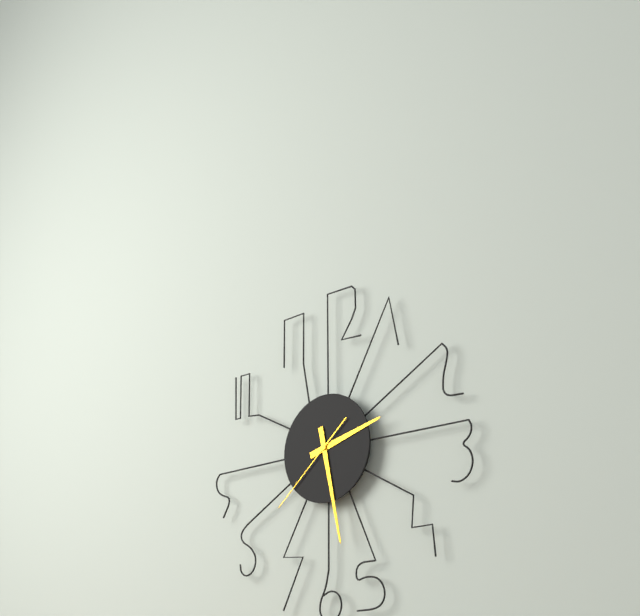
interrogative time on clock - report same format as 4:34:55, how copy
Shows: 2:28:38
